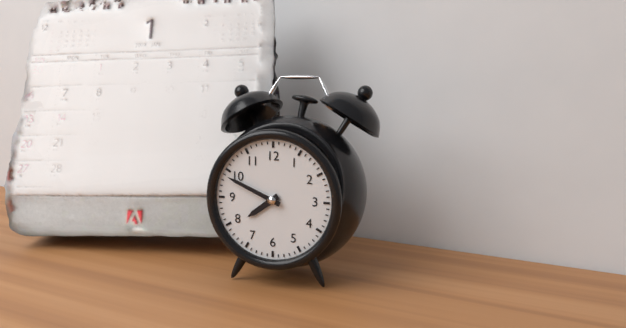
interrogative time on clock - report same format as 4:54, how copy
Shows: 7:49
